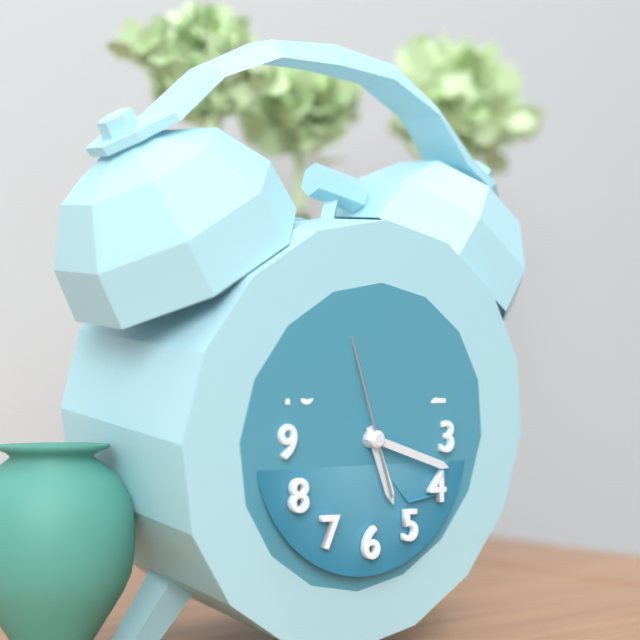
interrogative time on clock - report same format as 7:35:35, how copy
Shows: 5:18:57
